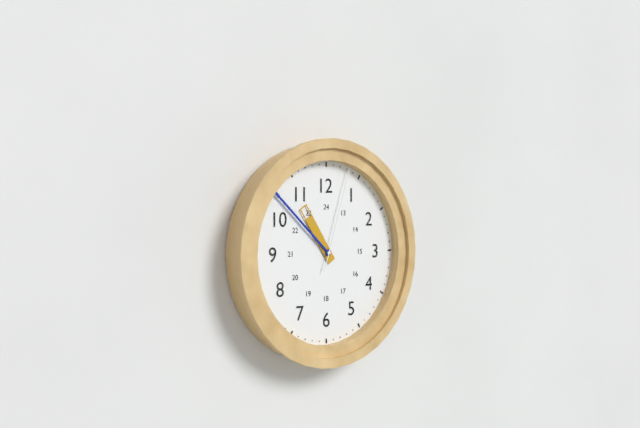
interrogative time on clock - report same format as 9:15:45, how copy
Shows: 10:52:03
